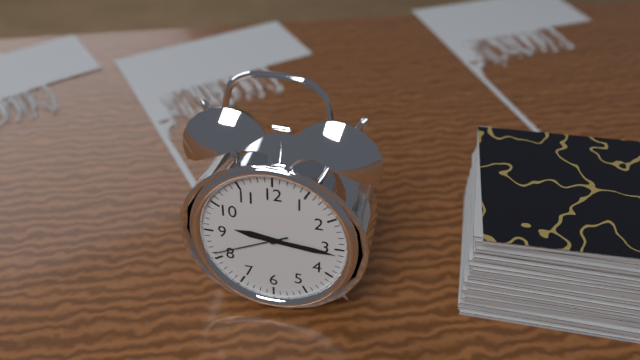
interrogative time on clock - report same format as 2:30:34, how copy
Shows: 9:16:41
